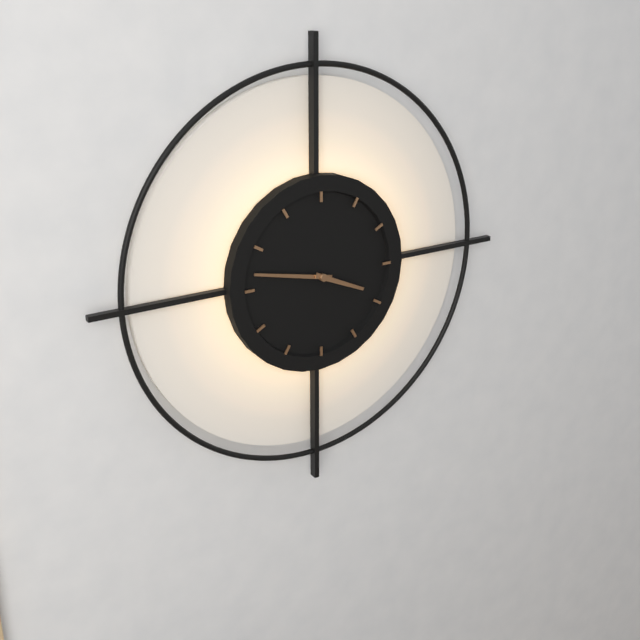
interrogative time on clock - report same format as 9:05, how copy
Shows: 3:47
